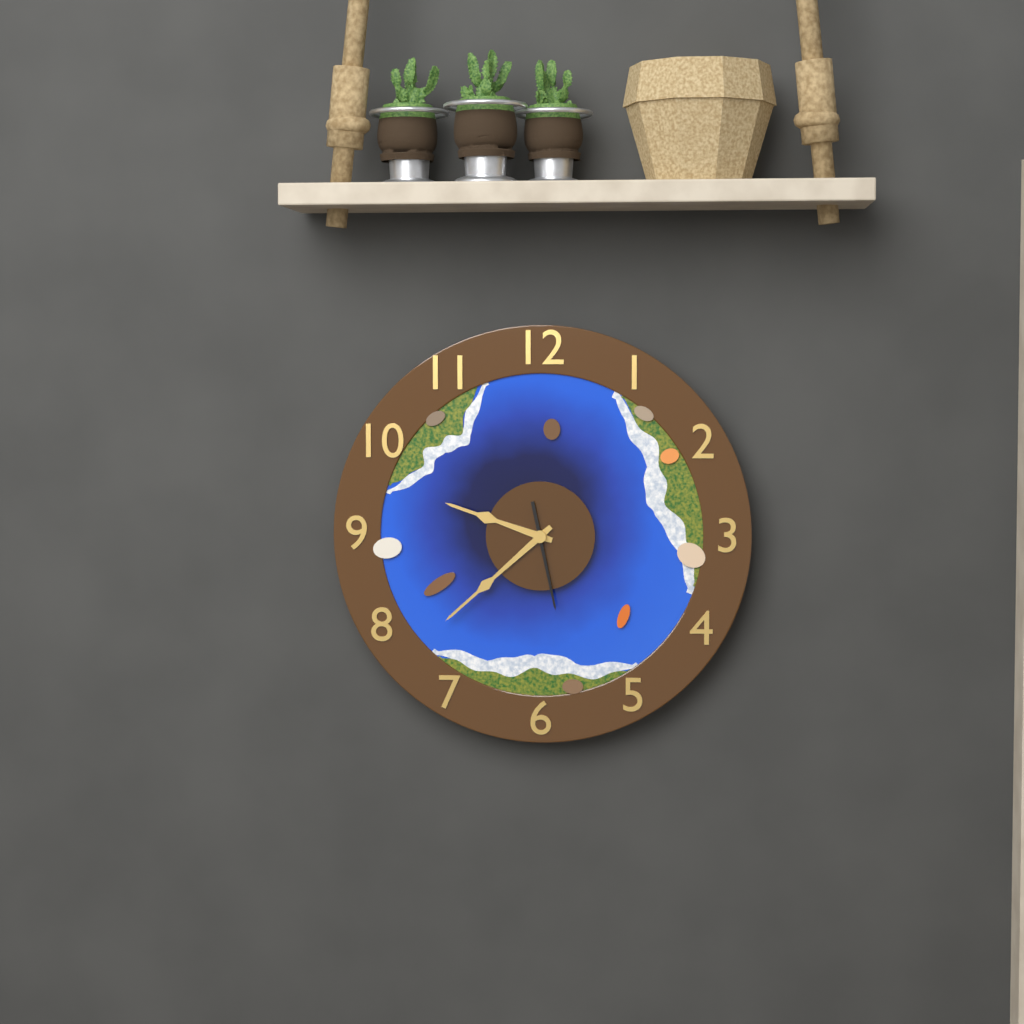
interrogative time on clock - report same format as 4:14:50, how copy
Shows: 9:38:28
